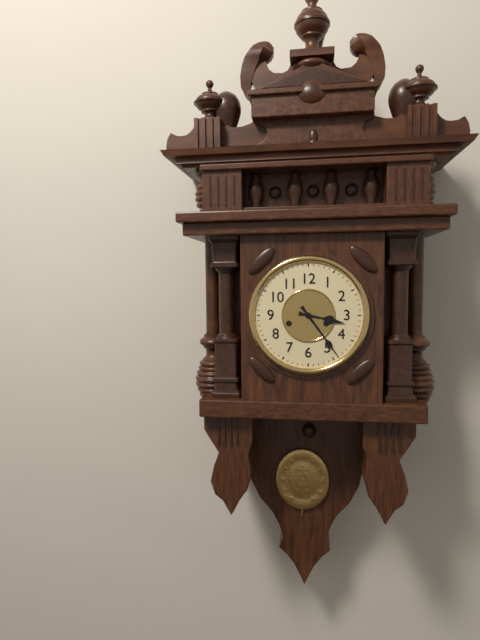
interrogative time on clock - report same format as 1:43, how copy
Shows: 3:24
